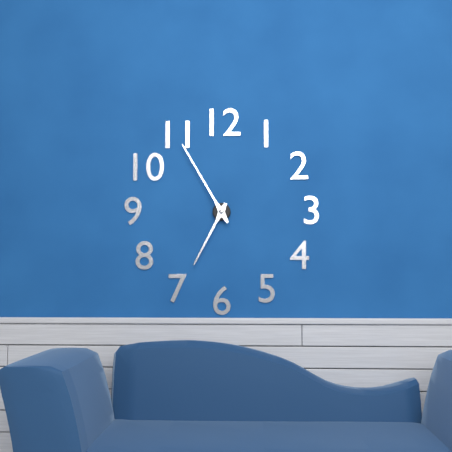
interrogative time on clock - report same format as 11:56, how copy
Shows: 6:55
